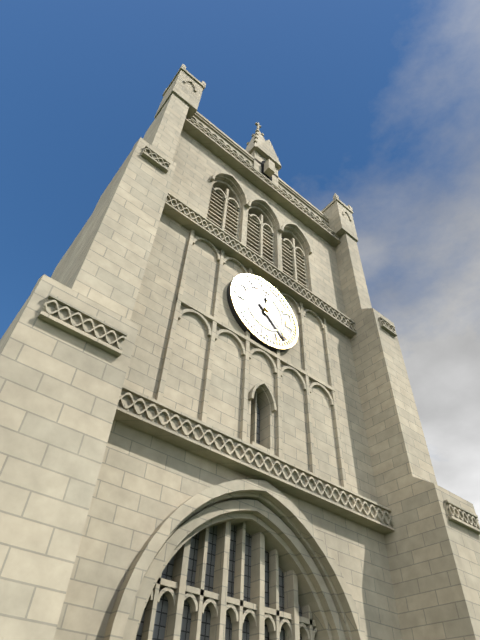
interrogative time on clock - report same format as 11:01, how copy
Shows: 12:22
